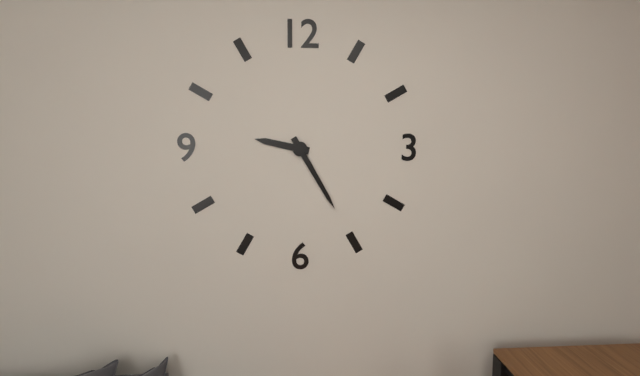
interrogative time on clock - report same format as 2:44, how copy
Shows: 9:25
